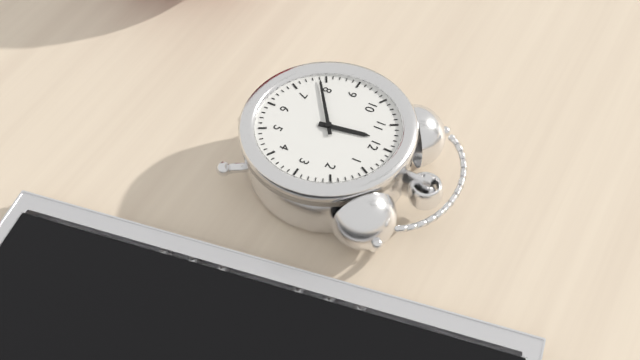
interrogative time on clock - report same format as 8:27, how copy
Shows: 11:39
